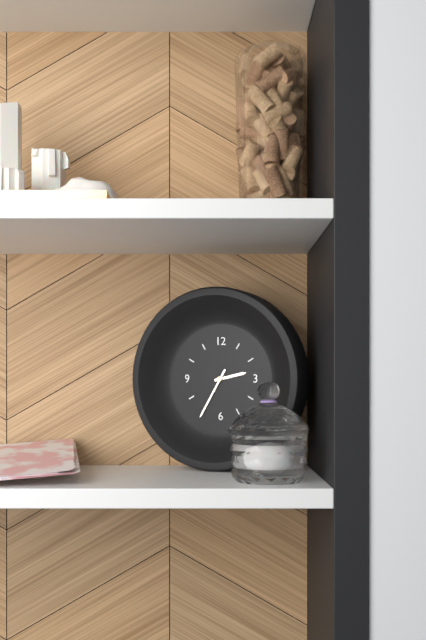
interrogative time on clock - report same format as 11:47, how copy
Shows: 2:35
